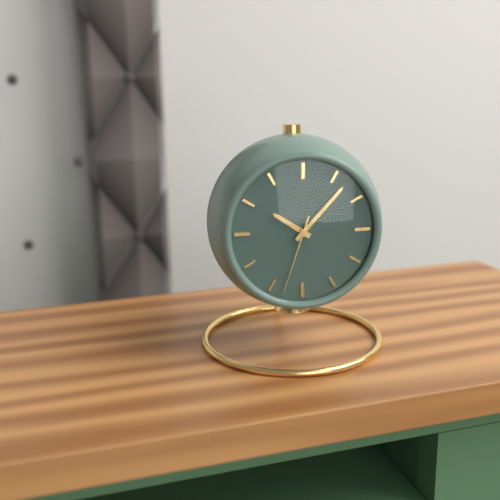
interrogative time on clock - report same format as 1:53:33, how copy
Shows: 10:07:33
